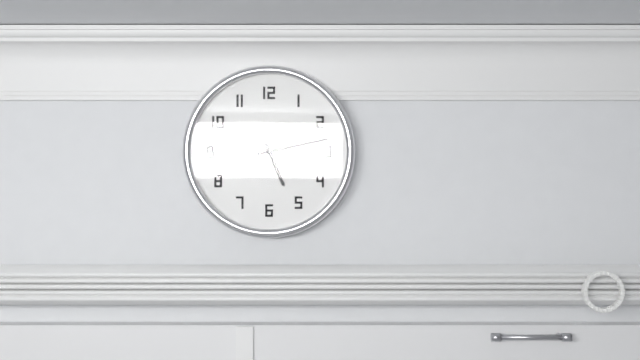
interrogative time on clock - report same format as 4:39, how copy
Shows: 5:13
